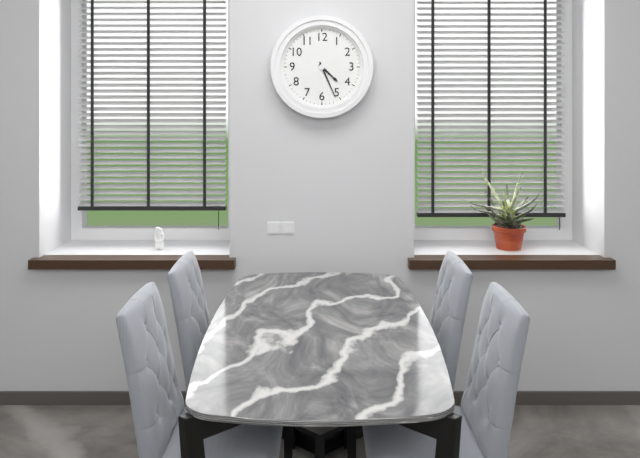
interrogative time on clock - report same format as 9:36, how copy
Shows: 4:26
